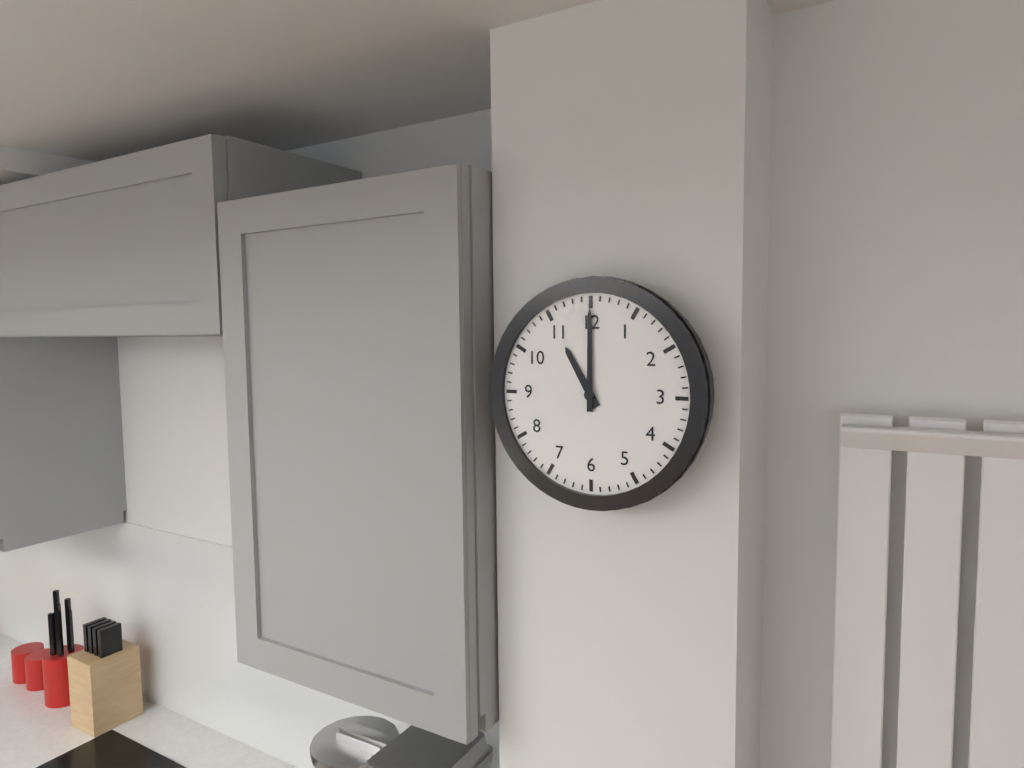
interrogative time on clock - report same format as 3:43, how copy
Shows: 11:00
